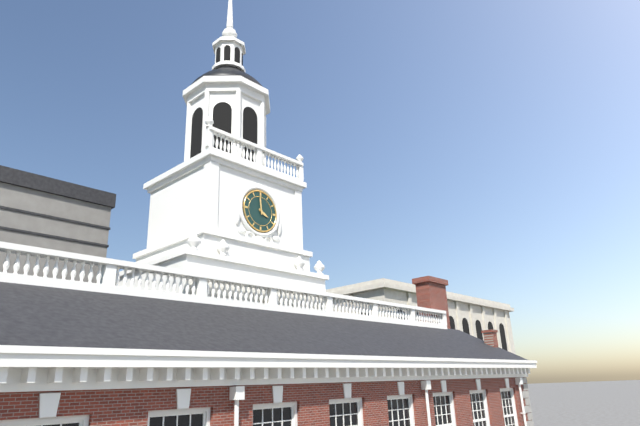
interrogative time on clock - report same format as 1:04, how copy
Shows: 3:59
